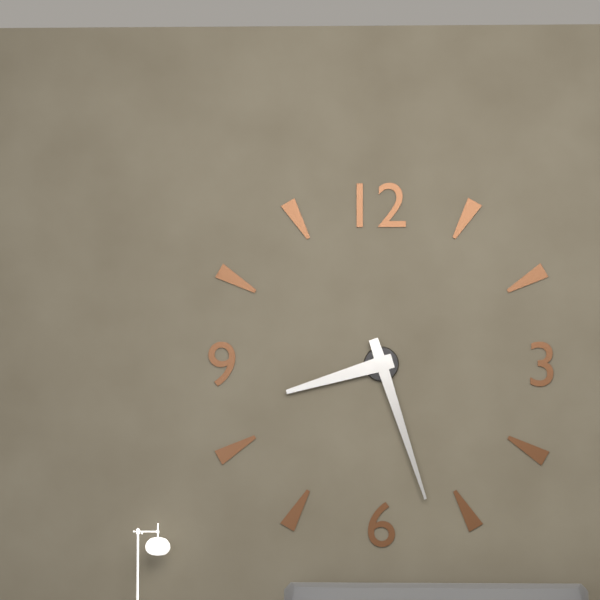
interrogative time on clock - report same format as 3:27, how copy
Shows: 8:27
